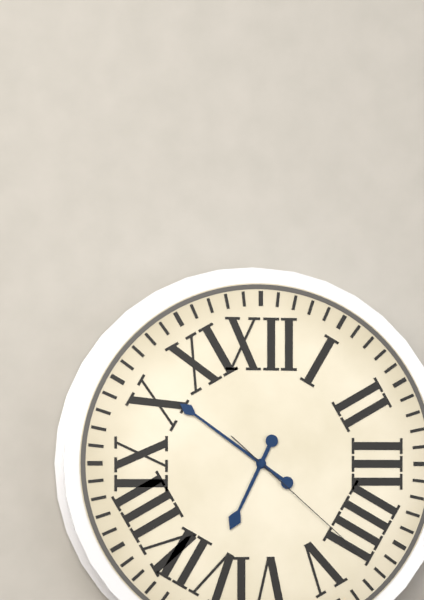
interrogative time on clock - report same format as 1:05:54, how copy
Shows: 6:51:22
